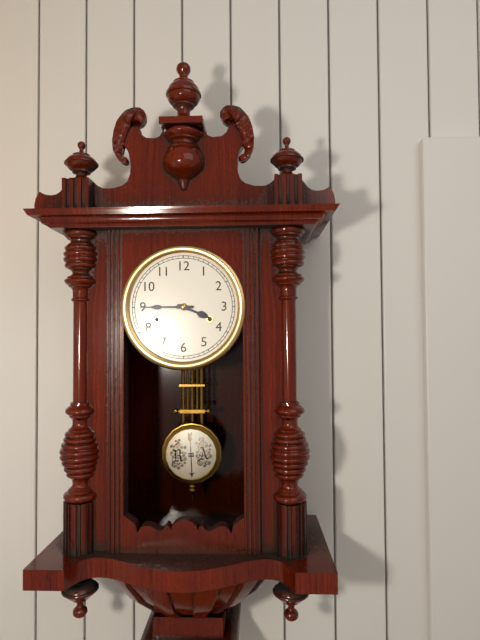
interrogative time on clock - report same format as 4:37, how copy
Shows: 3:45
